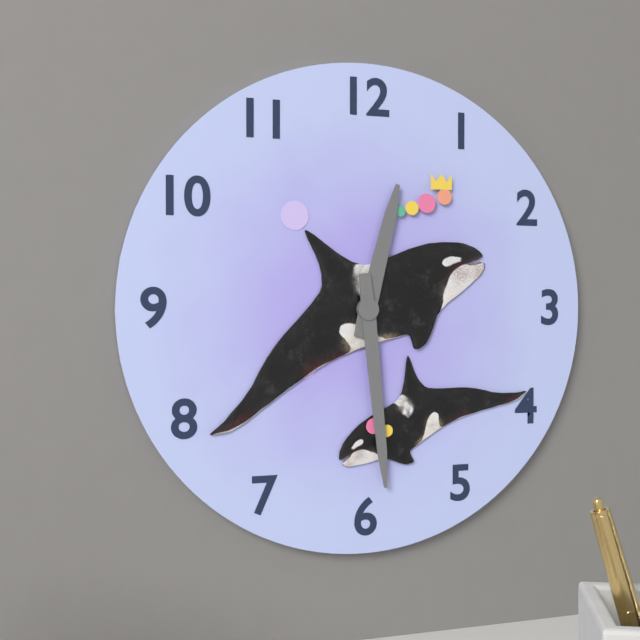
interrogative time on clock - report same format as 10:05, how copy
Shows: 12:29
